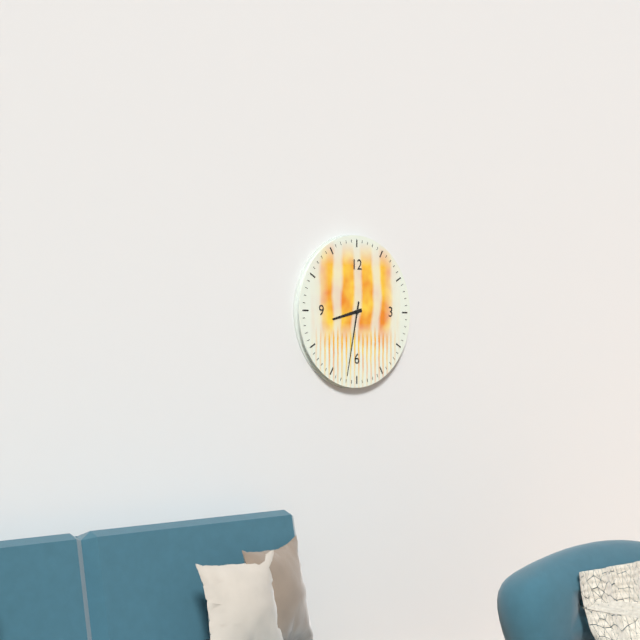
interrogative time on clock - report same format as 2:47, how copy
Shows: 8:32
